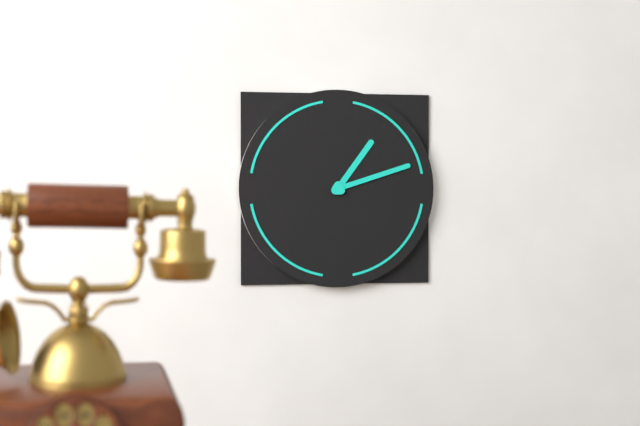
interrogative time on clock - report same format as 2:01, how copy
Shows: 1:12
